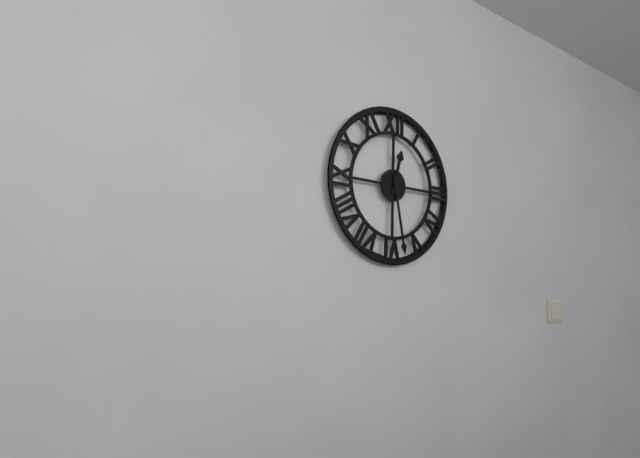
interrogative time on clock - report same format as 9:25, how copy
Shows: 12:28
